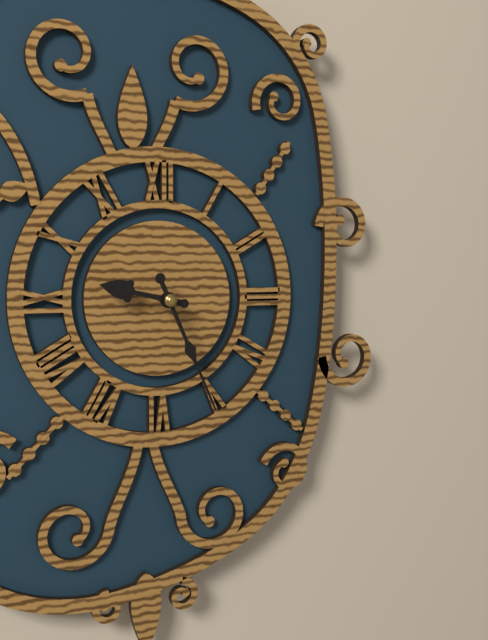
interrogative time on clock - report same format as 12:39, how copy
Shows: 9:26
